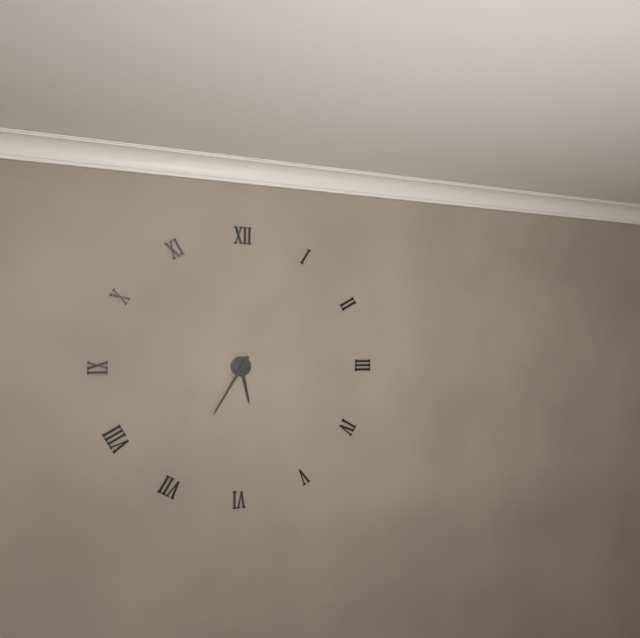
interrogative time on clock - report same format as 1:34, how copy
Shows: 5:35
